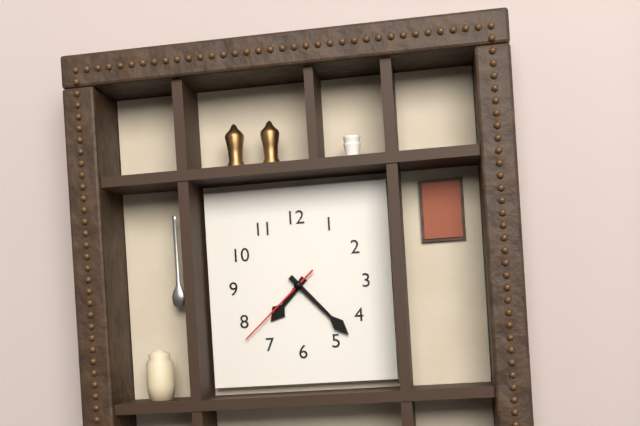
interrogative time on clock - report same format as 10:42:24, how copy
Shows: 7:23:38
